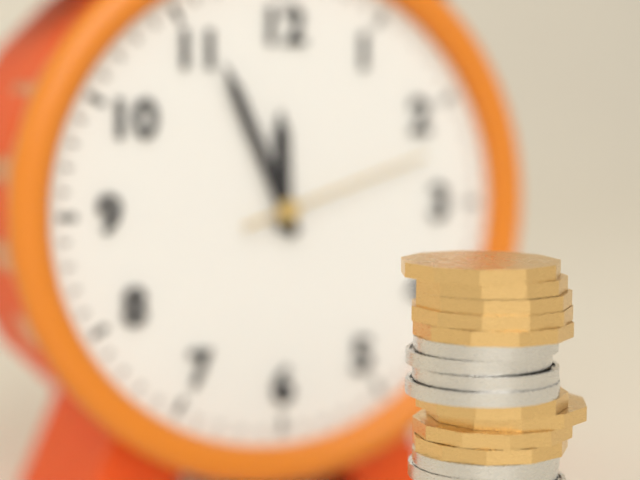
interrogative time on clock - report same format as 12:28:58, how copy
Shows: 11:56:12
